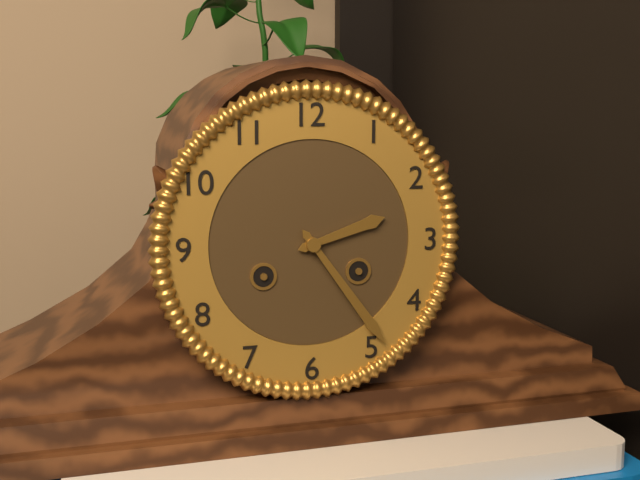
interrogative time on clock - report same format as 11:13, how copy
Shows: 2:24
